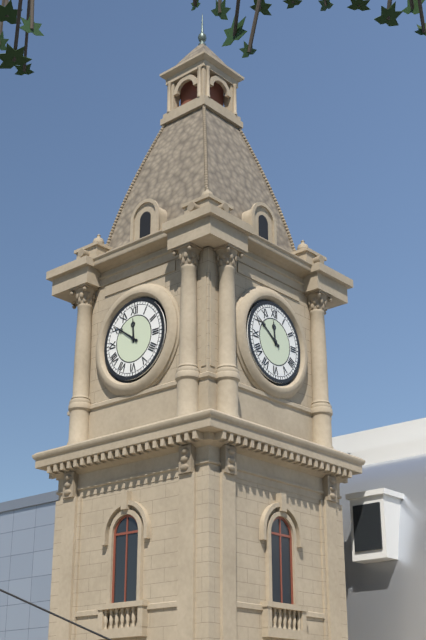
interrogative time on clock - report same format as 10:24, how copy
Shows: 11:51
